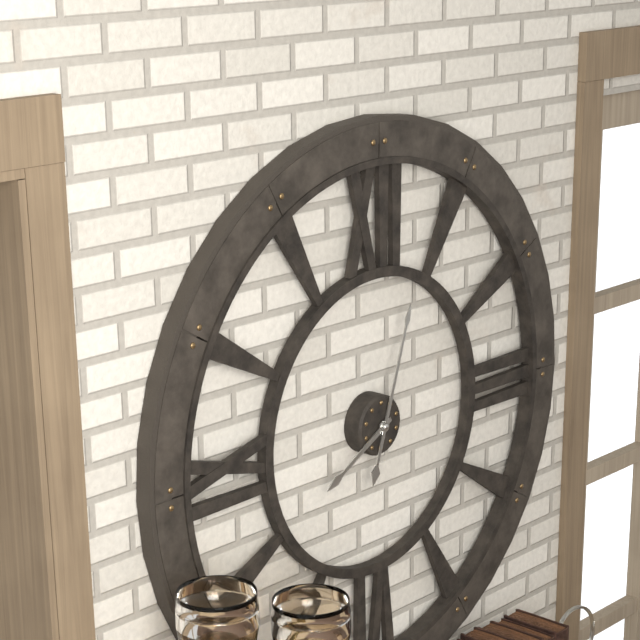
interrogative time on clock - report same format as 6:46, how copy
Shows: 8:03
